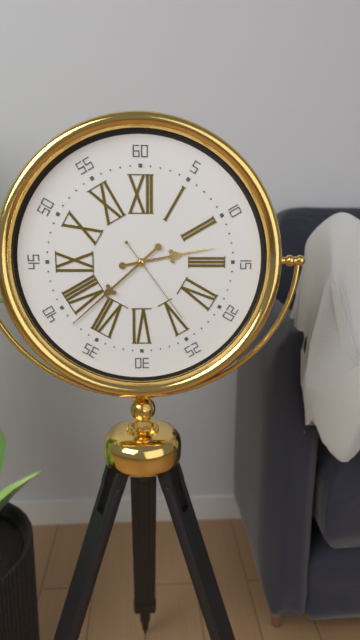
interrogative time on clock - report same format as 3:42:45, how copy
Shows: 2:38:24
